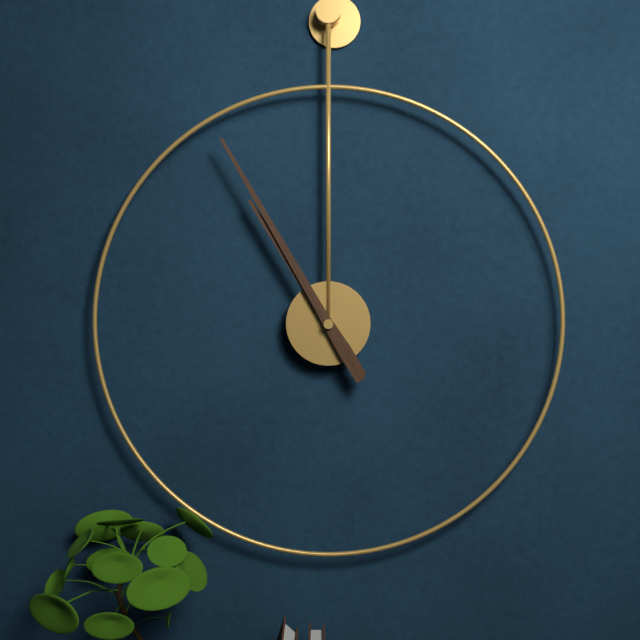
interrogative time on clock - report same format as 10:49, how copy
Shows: 10:55
